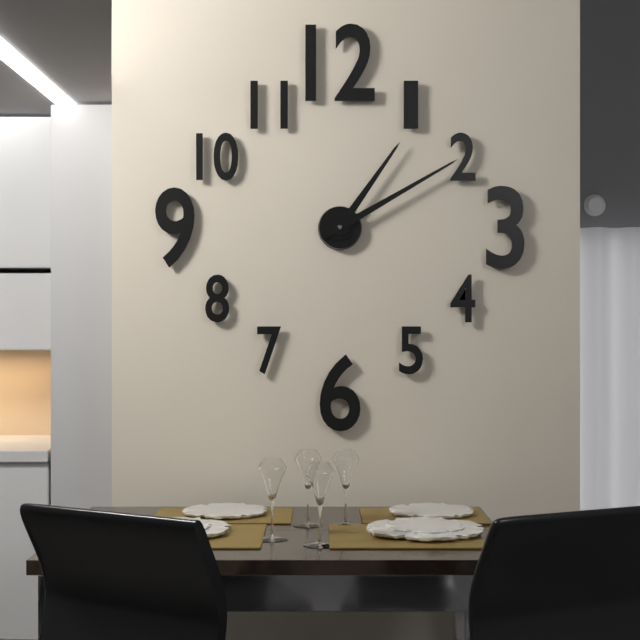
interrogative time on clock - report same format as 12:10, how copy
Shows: 1:10
